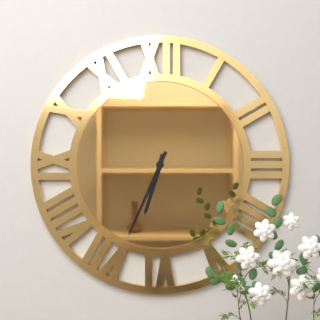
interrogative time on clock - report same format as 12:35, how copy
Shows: 6:34
